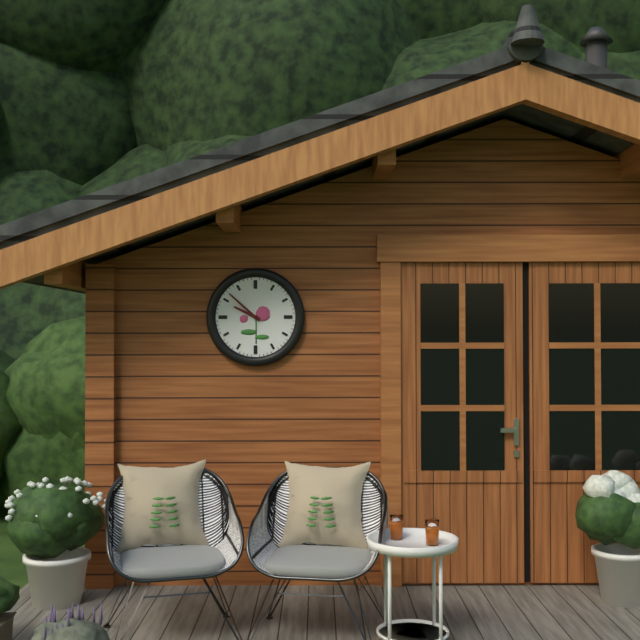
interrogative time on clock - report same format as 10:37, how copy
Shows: 9:52
